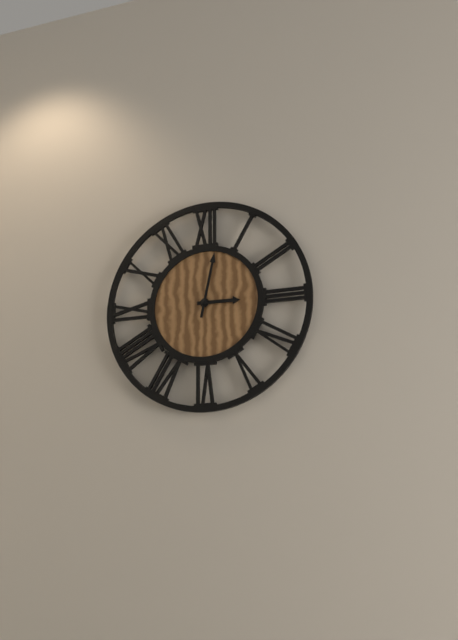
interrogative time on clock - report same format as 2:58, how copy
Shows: 3:02
